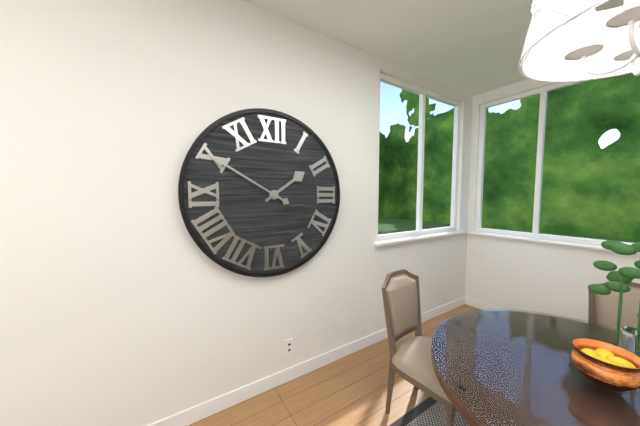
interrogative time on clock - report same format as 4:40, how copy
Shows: 1:50
